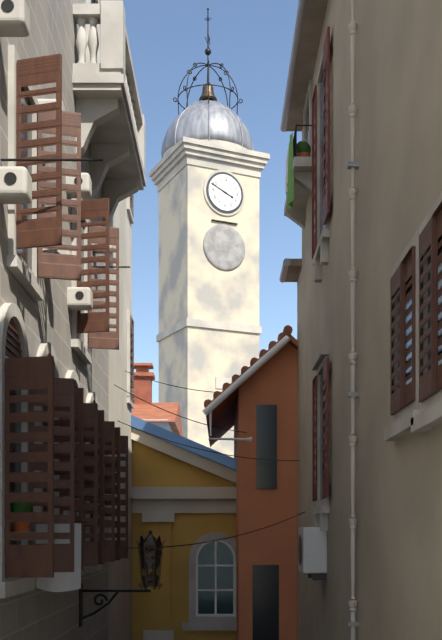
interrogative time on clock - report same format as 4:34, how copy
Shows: 3:49
